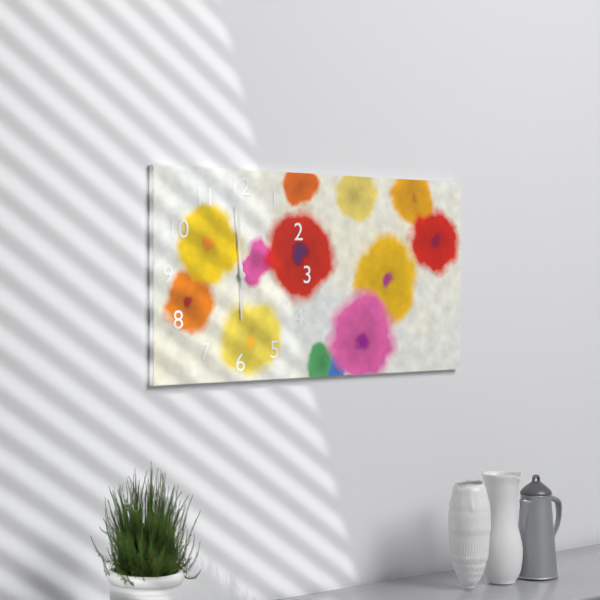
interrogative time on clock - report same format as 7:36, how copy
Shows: 5:59
